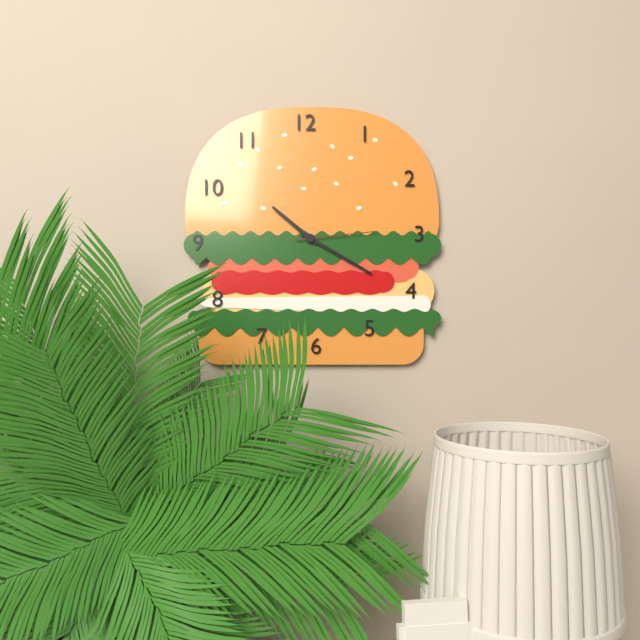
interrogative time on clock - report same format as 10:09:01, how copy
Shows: 10:20:14
